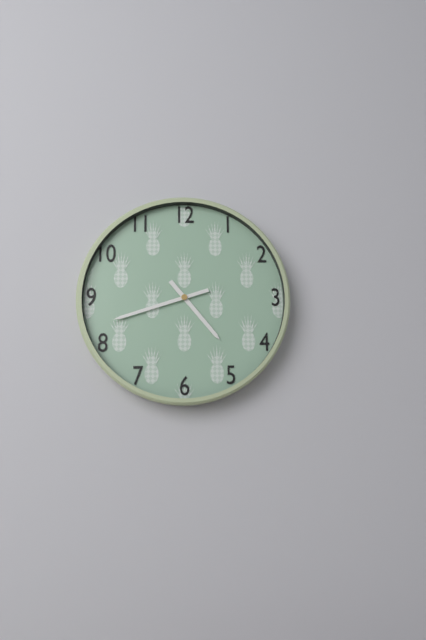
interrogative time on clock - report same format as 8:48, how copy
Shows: 4:42
